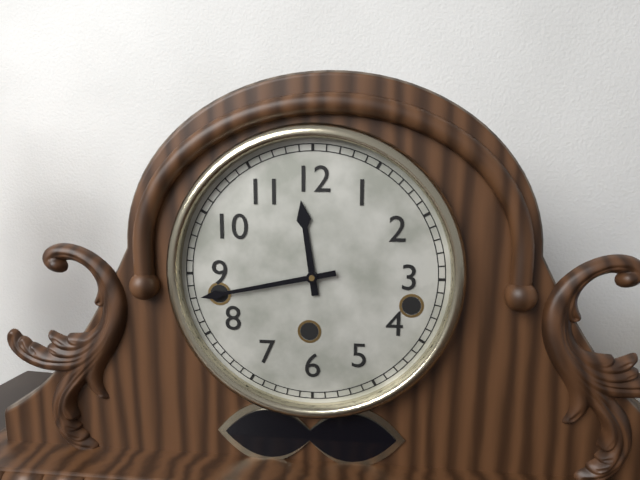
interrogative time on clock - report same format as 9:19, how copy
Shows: 11:43
